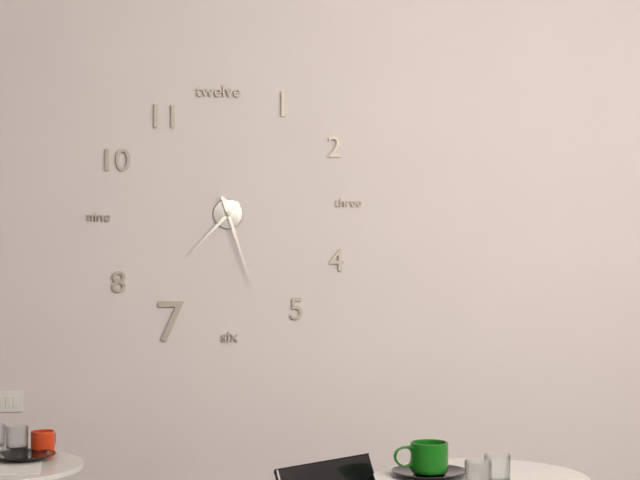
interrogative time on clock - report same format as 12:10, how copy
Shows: 7:27
